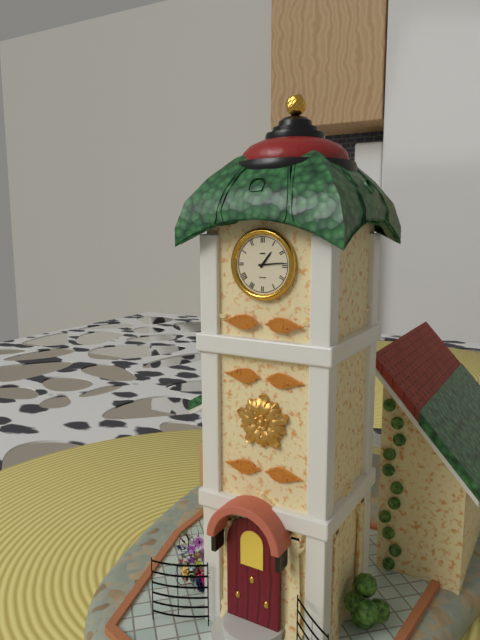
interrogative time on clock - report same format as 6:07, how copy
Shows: 1:14
